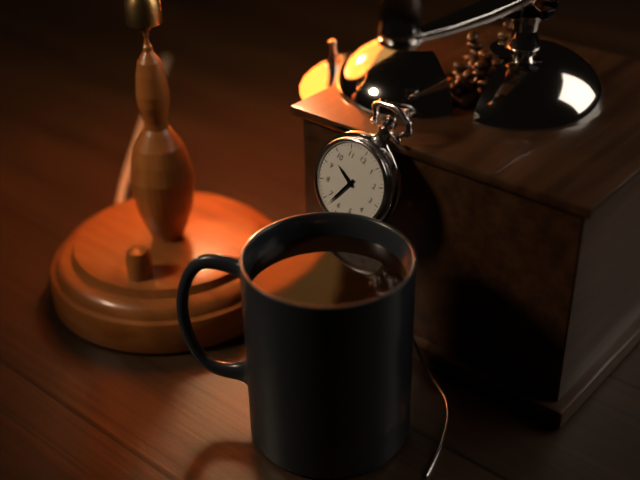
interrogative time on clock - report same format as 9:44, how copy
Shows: 9:33
